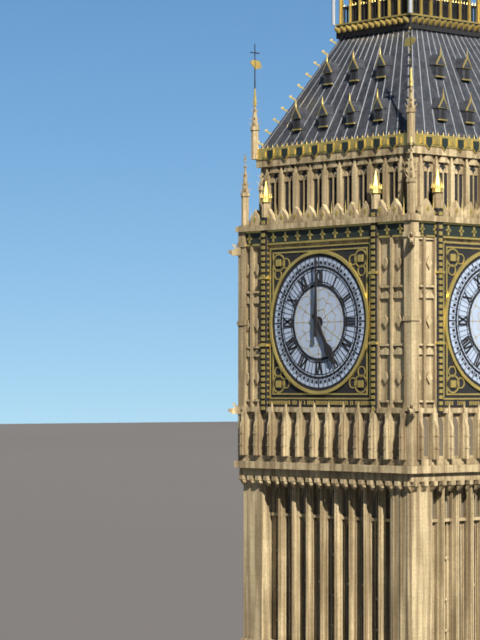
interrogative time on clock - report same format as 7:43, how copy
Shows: 5:00
